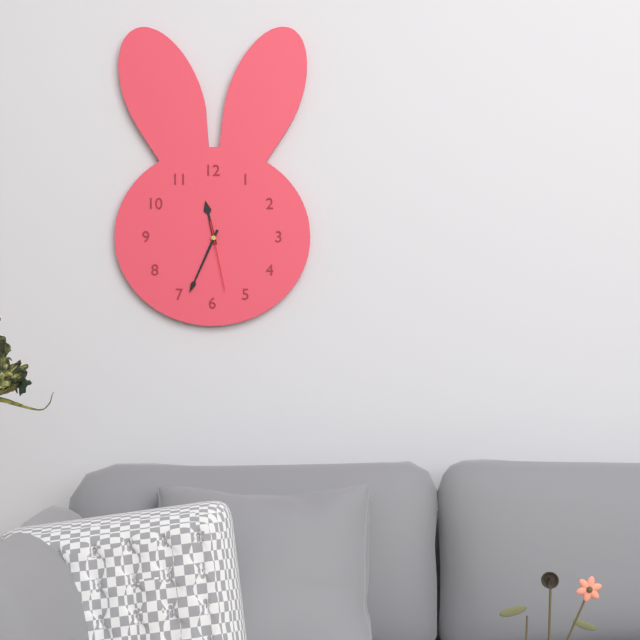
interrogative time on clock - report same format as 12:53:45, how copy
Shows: 11:34:28
